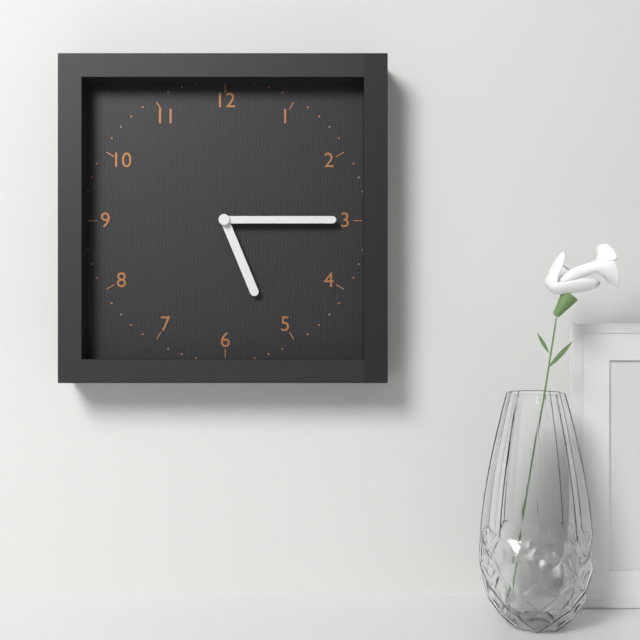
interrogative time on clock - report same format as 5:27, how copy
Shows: 5:15
